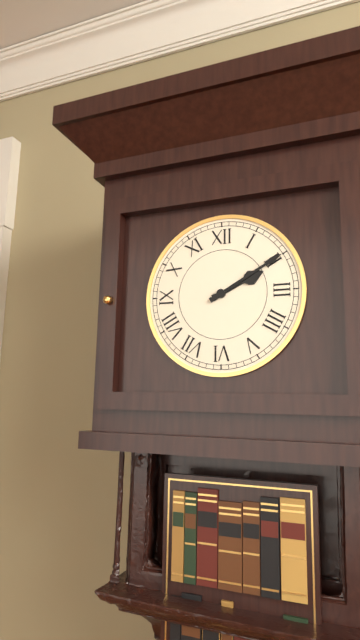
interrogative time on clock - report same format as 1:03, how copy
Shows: 2:10
